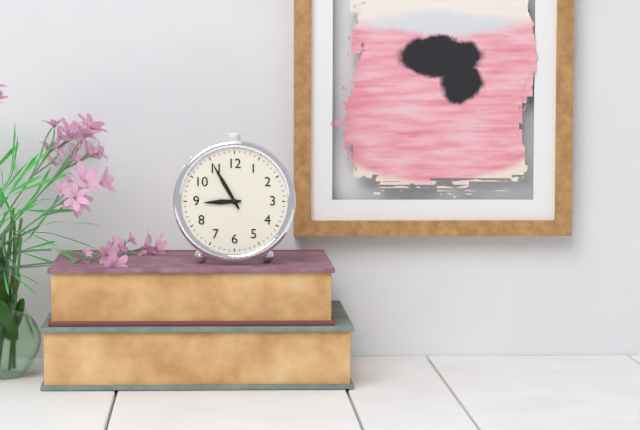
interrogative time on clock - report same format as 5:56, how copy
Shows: 8:55
